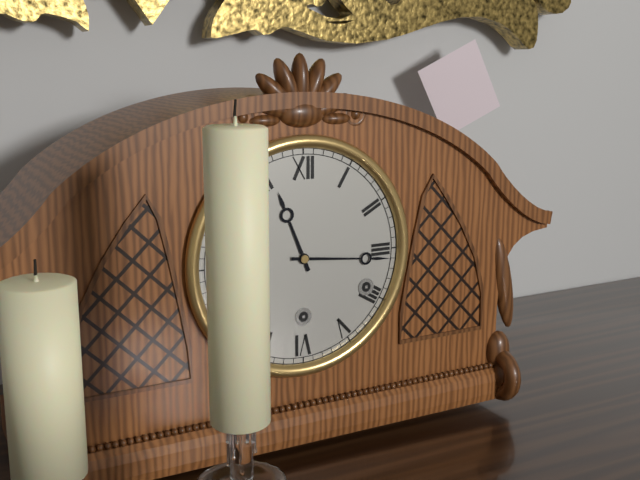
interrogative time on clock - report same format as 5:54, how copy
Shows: 11:16
